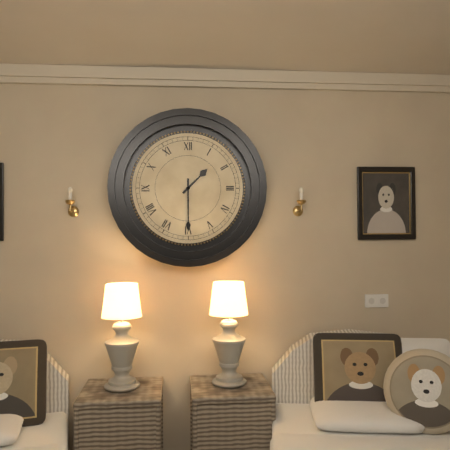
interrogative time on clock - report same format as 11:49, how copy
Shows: 1:30
